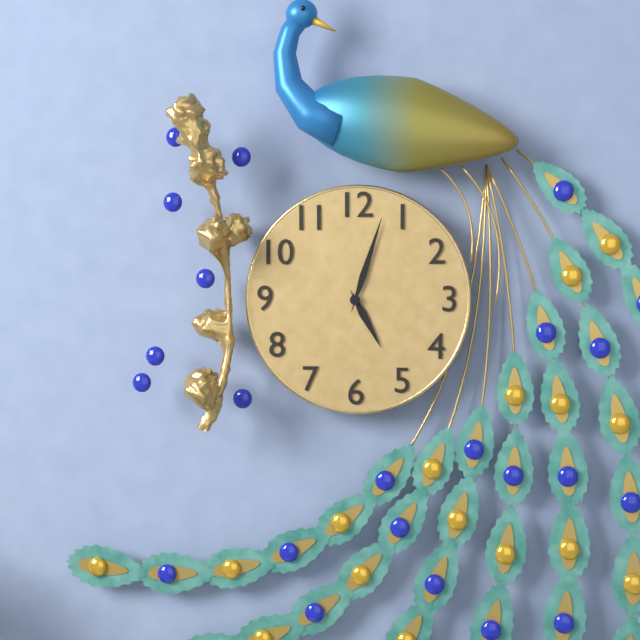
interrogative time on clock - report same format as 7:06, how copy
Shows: 5:03
